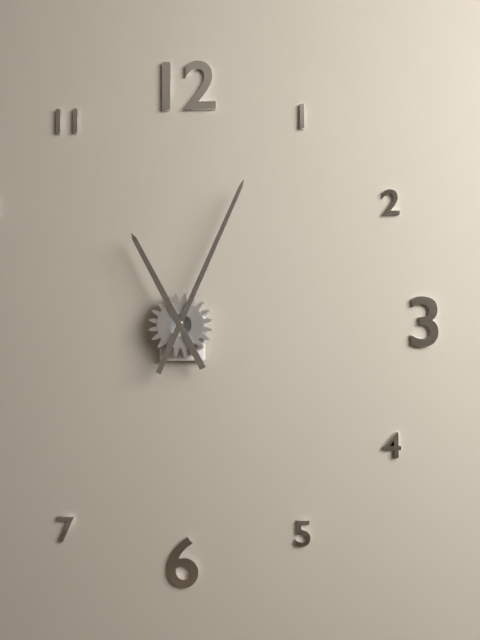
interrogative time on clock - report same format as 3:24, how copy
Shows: 11:04
